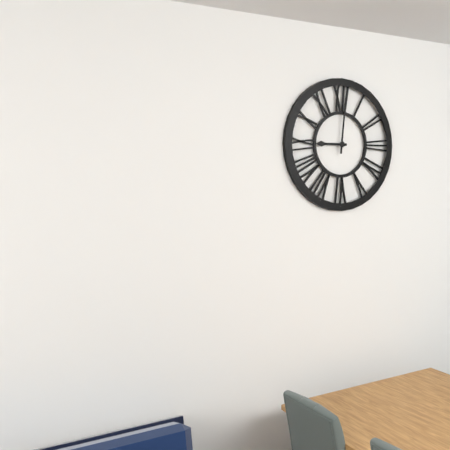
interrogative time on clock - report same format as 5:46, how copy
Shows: 9:01
